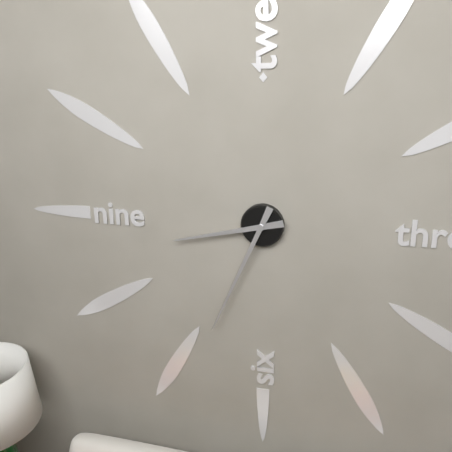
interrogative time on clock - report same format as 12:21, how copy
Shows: 8:34
